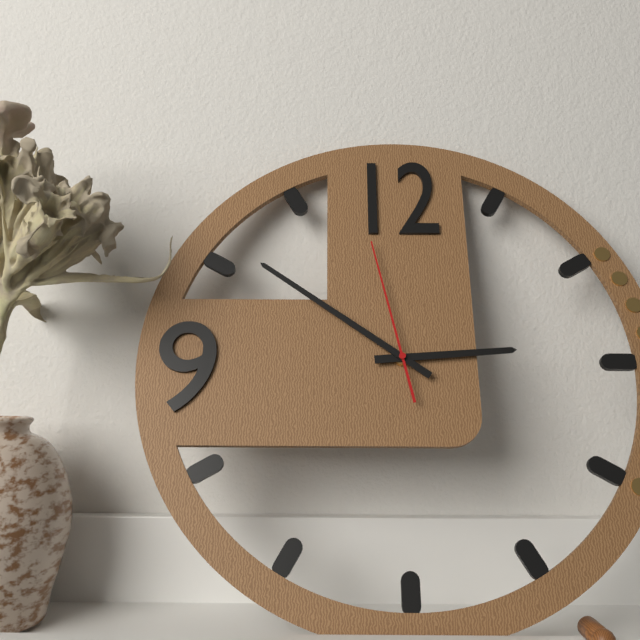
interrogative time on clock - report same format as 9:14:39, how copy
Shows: 2:51:58
